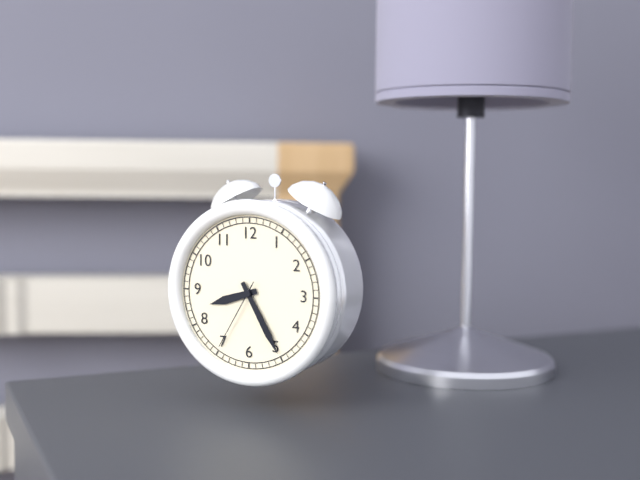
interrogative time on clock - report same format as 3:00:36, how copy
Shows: 8:25:35
